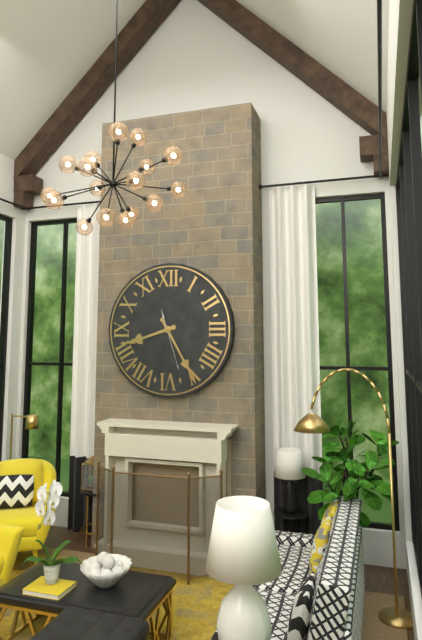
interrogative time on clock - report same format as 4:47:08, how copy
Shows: 8:25:27
